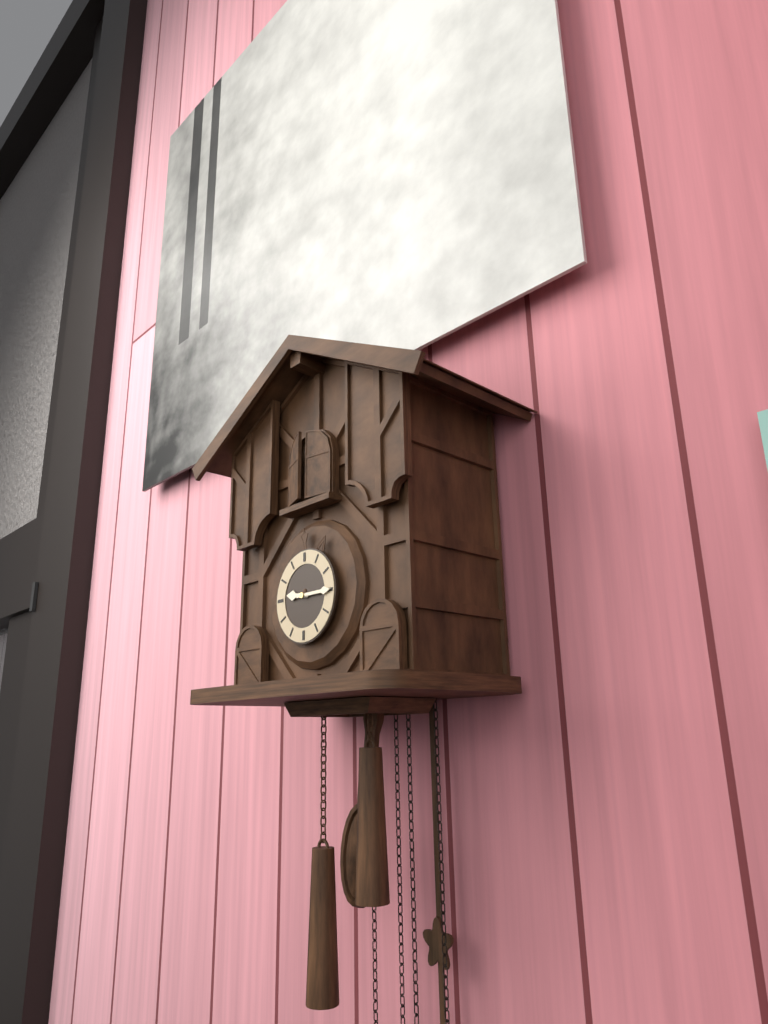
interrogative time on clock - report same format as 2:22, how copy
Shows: 9:15
